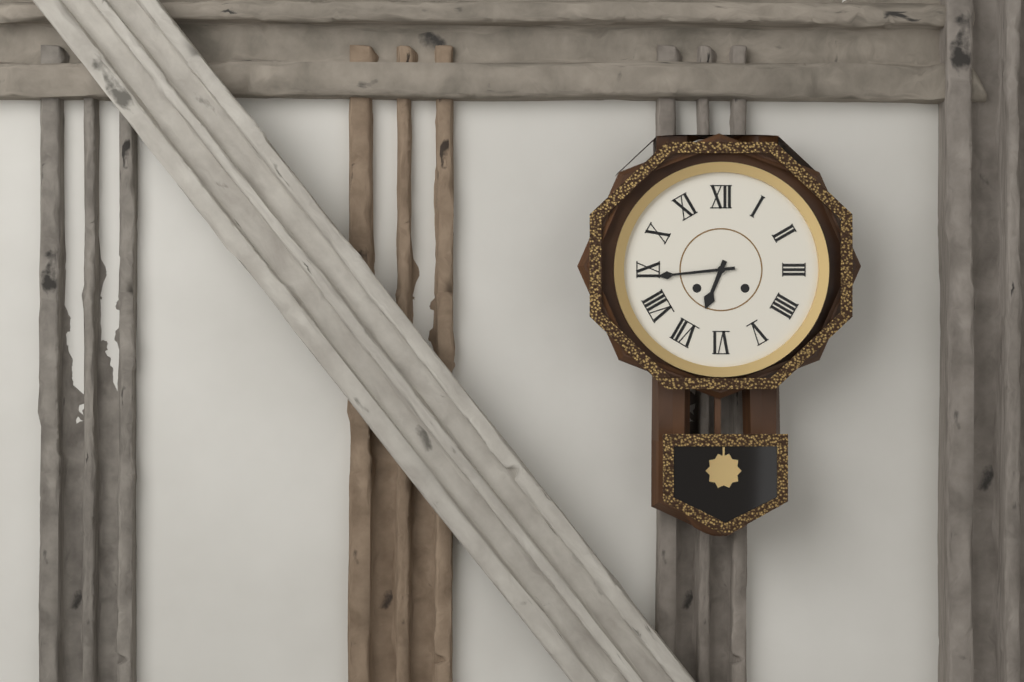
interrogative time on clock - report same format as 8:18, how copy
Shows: 6:44
